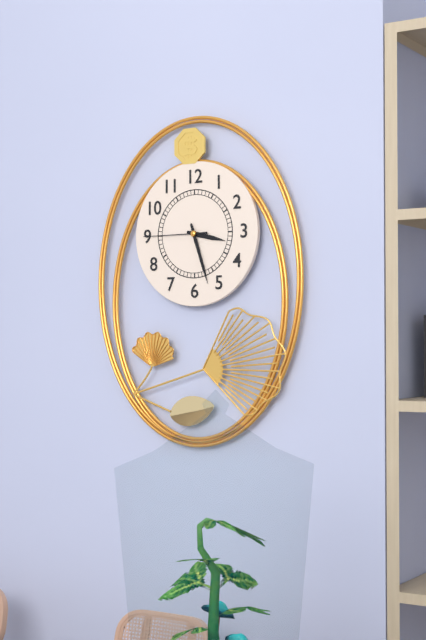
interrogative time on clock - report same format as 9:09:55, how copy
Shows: 3:27:45
